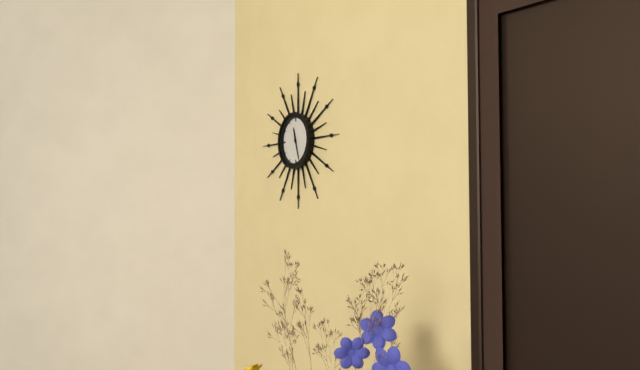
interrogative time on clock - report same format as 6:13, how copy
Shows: 11:27
